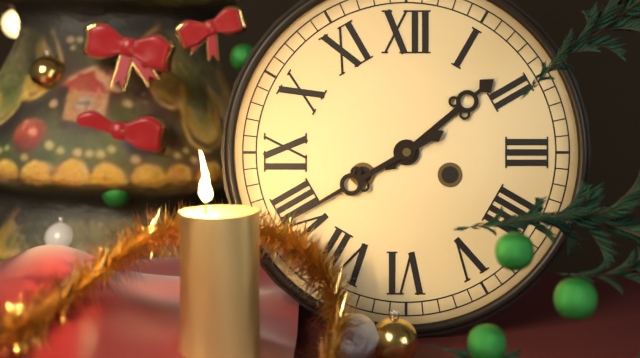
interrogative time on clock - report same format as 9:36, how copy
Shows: 1:40
